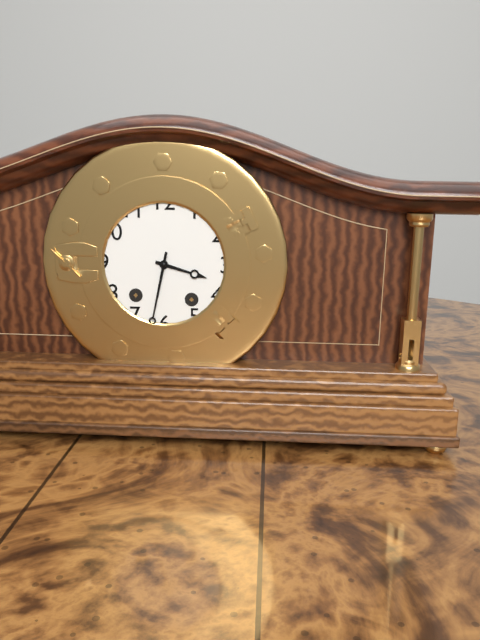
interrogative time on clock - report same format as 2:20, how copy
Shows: 3:32
